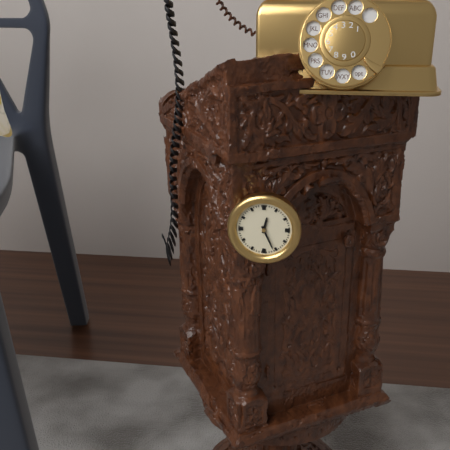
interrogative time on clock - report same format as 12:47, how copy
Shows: 12:26
